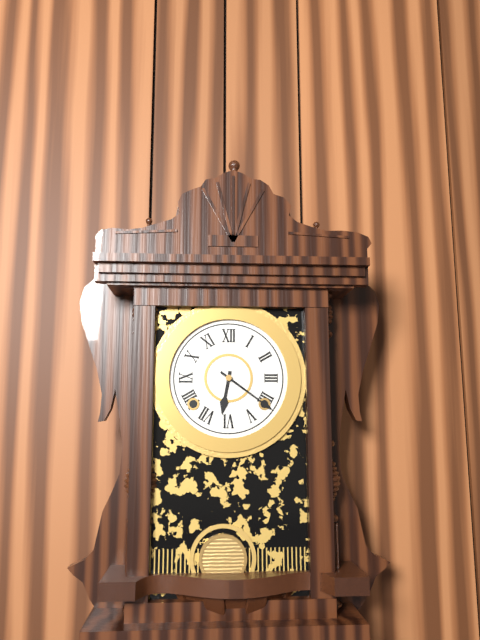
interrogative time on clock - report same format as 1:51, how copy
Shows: 6:21
